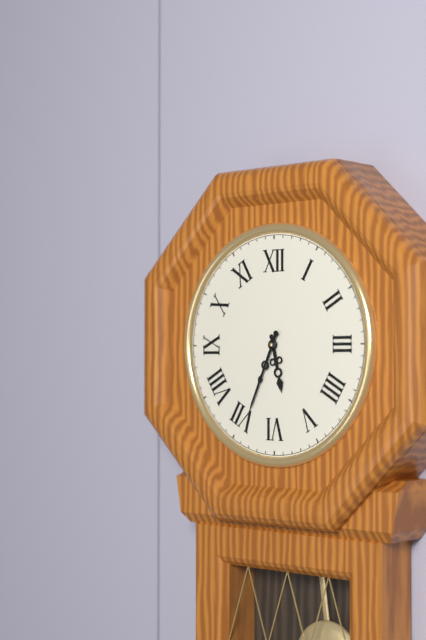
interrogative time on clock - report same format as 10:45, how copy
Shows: 5:34
